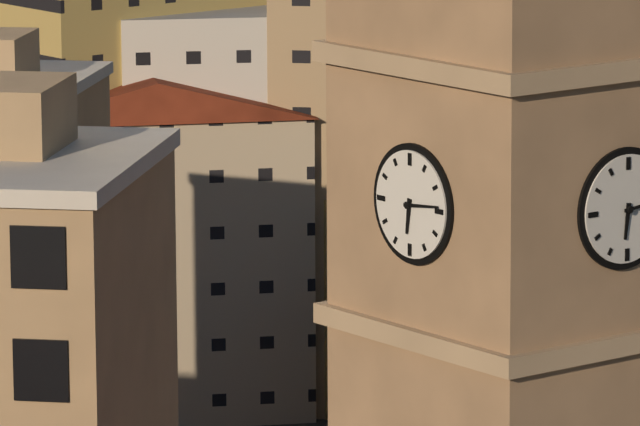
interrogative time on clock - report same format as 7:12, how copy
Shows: 6:14
